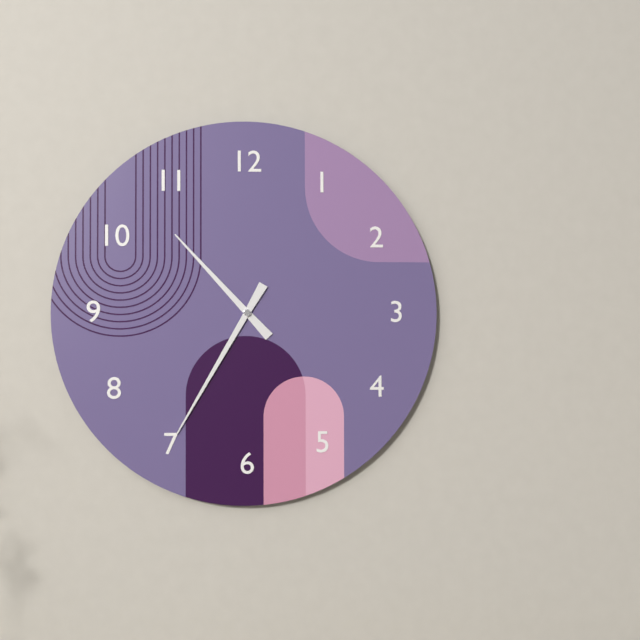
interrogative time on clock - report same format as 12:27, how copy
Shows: 10:35
